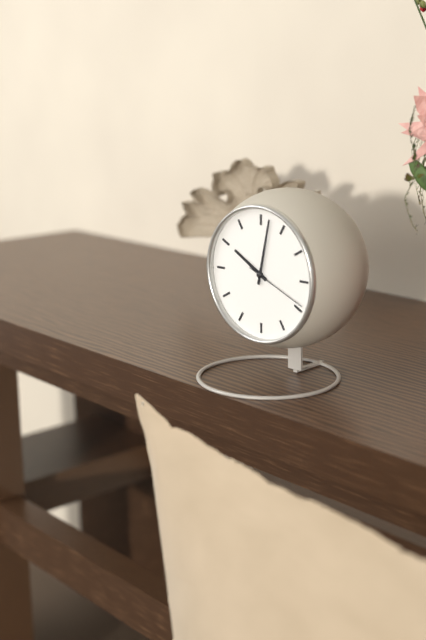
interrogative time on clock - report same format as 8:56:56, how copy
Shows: 10:02:19
